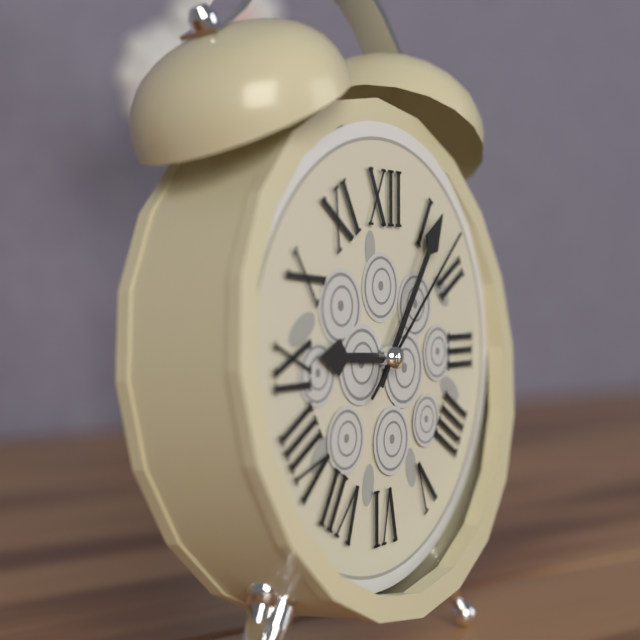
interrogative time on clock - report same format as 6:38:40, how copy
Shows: 9:06:08
